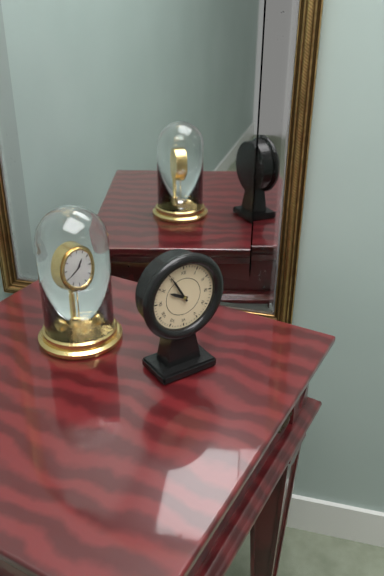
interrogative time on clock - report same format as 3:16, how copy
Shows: 9:55
